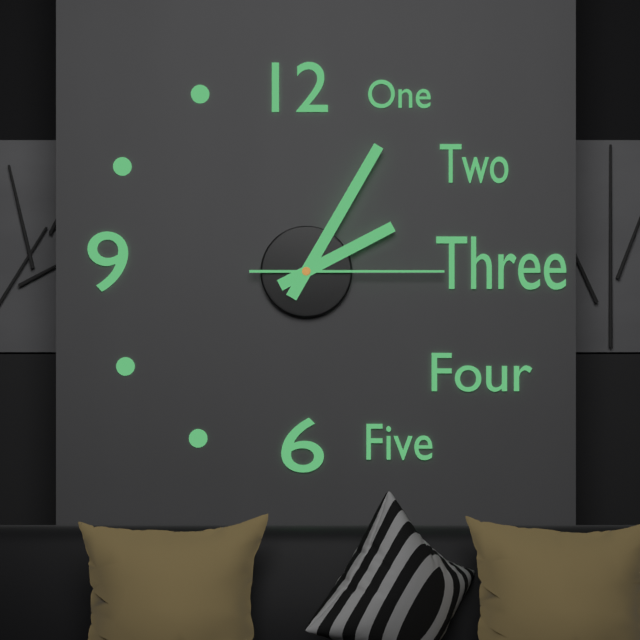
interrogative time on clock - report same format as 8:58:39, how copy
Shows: 2:05:15
